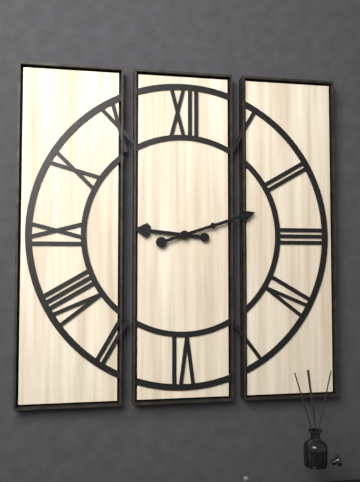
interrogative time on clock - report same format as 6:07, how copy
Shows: 9:12
